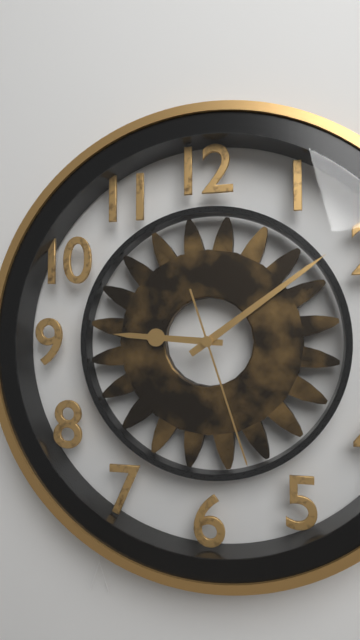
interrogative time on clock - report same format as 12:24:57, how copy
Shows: 9:09:27
